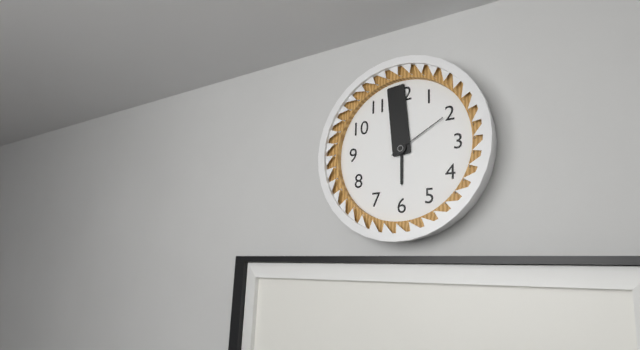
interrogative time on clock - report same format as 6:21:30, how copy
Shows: 5:59:10
